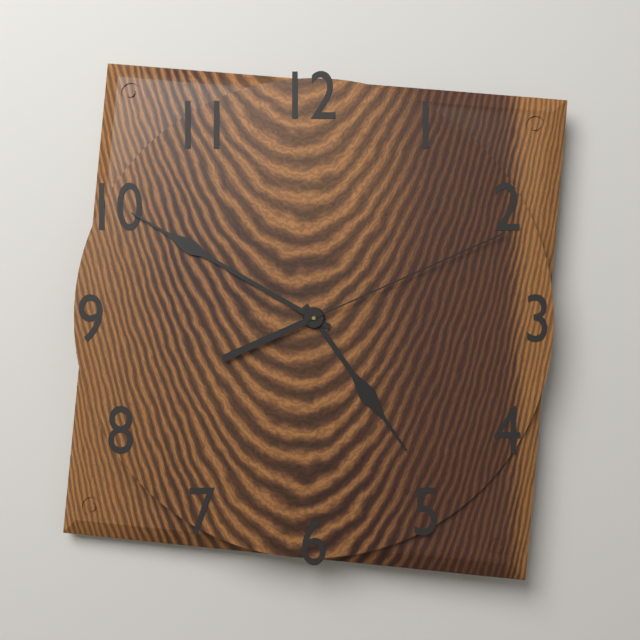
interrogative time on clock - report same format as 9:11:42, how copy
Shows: 4:50:11
